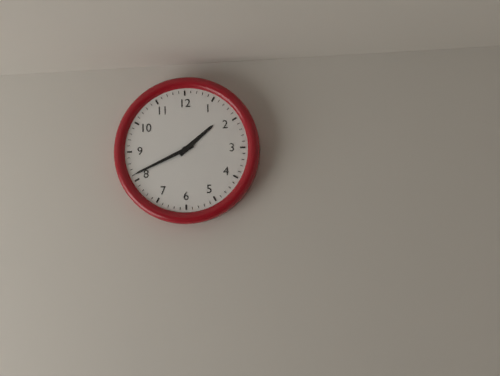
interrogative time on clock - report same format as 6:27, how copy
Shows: 1:41
